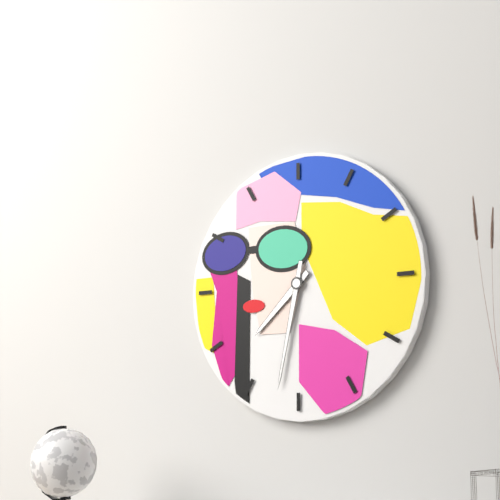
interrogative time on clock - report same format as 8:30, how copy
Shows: 7:32
